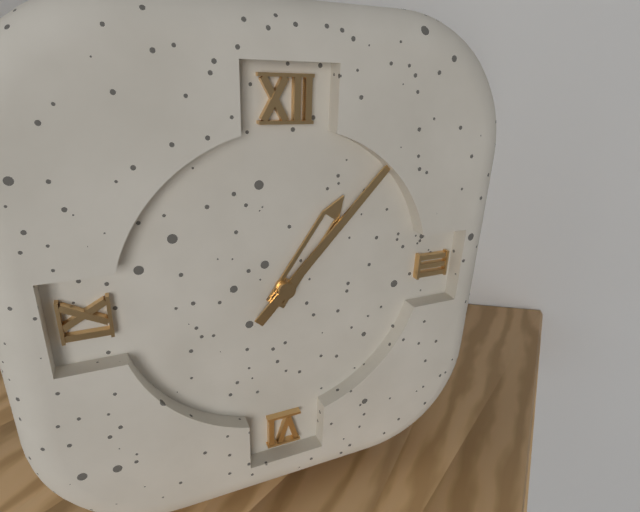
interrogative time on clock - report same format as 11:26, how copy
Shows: 1:07
